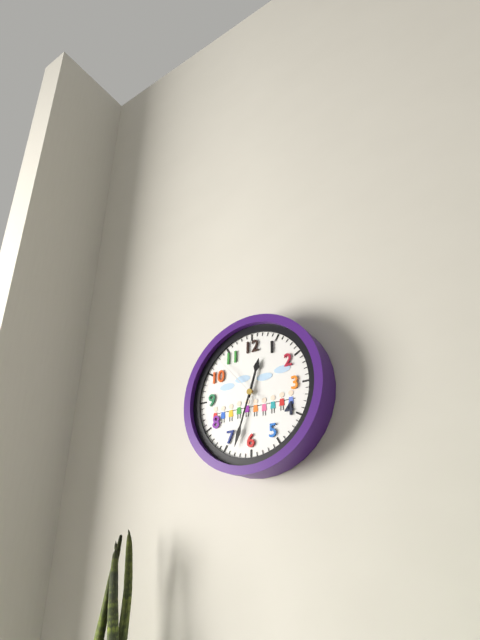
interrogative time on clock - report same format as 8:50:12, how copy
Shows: 12:33:53
